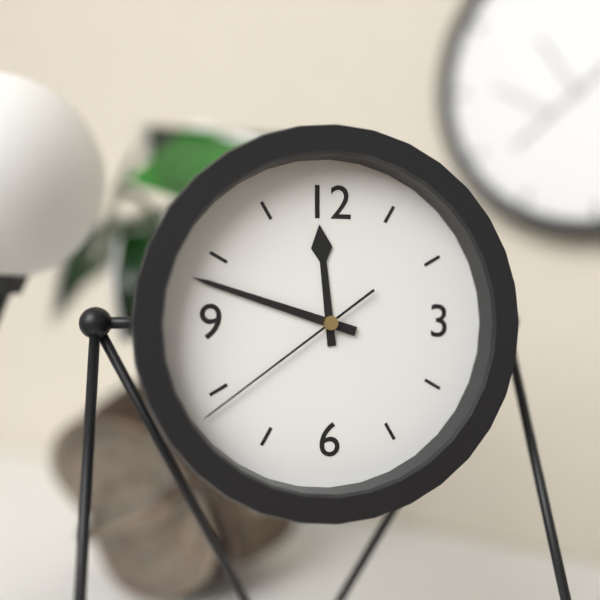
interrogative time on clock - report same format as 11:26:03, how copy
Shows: 11:48:39
